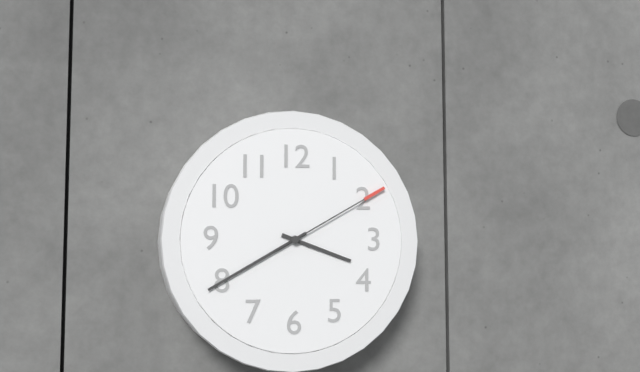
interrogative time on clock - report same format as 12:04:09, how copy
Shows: 3:40:10
